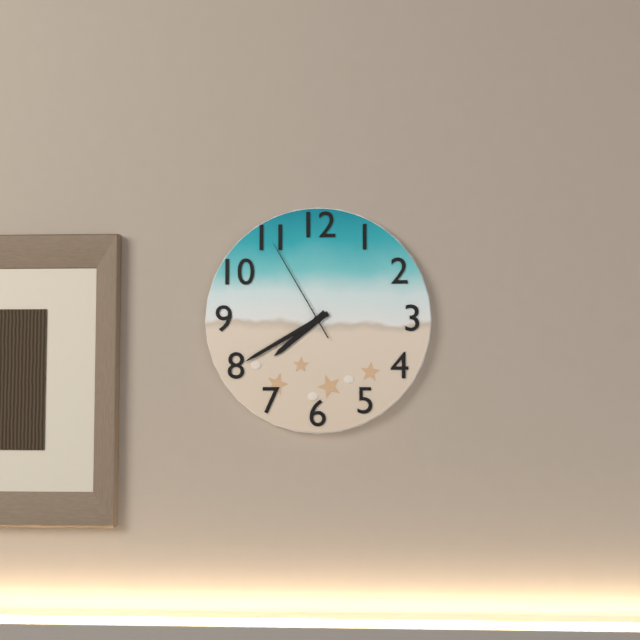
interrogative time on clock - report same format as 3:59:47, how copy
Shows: 7:40:55
